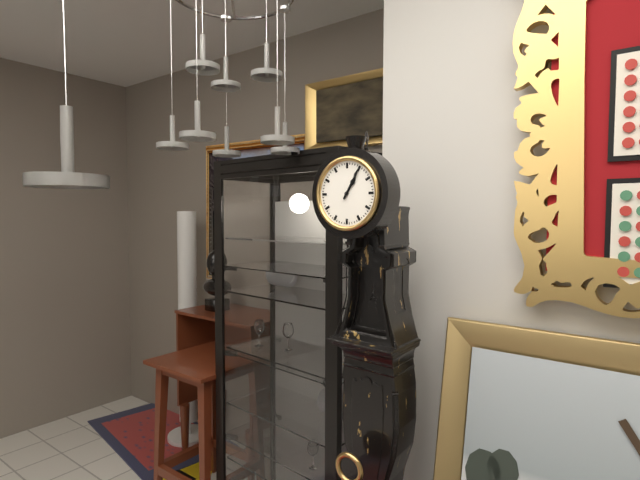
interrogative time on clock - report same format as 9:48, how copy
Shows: 1:05
